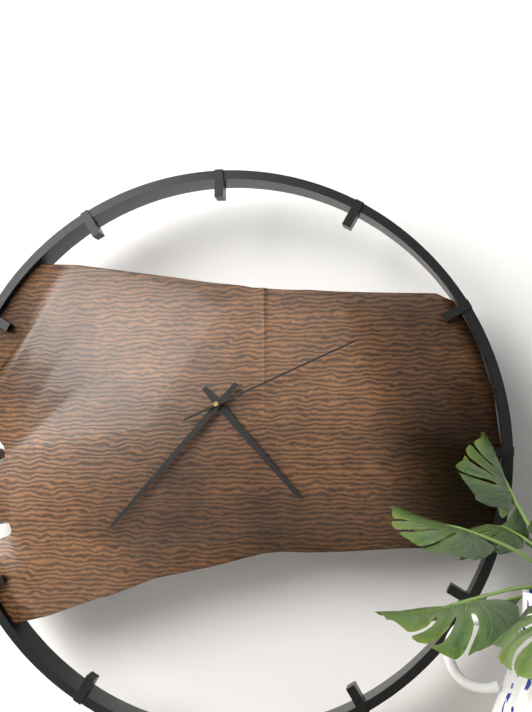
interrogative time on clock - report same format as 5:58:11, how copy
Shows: 4:37:11
